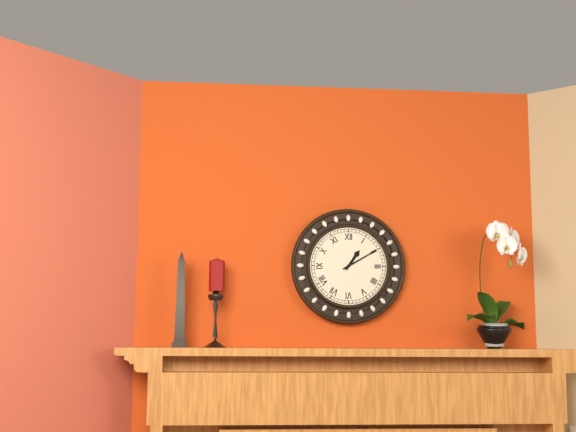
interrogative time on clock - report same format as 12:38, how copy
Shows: 1:10
